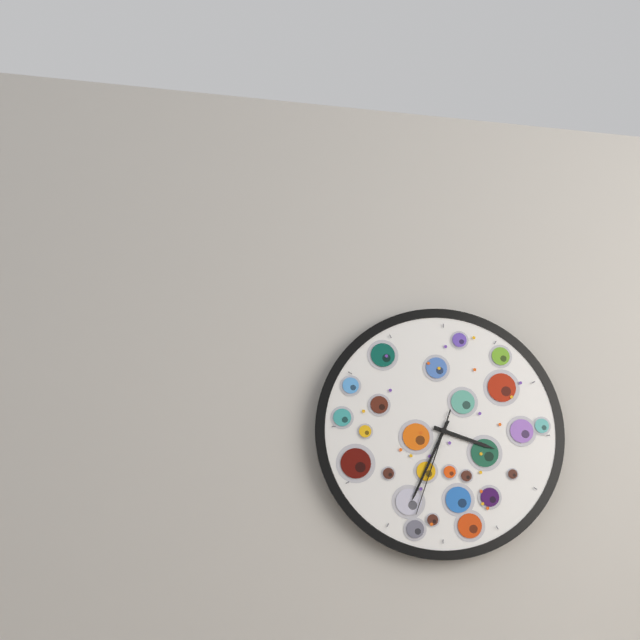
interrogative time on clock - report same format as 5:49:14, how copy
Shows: 3:34:33
